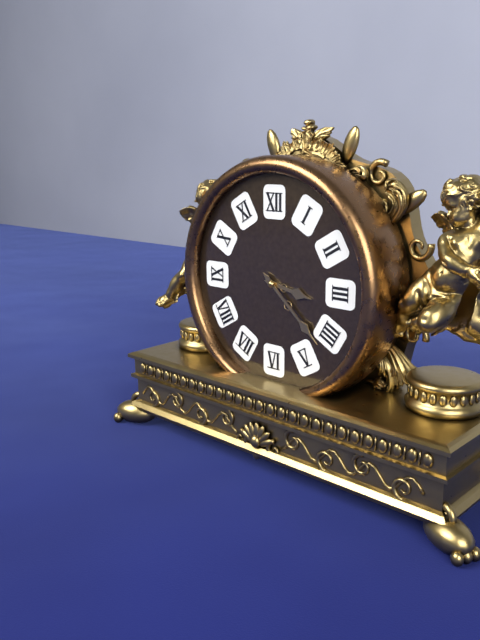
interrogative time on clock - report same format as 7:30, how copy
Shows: 3:22
